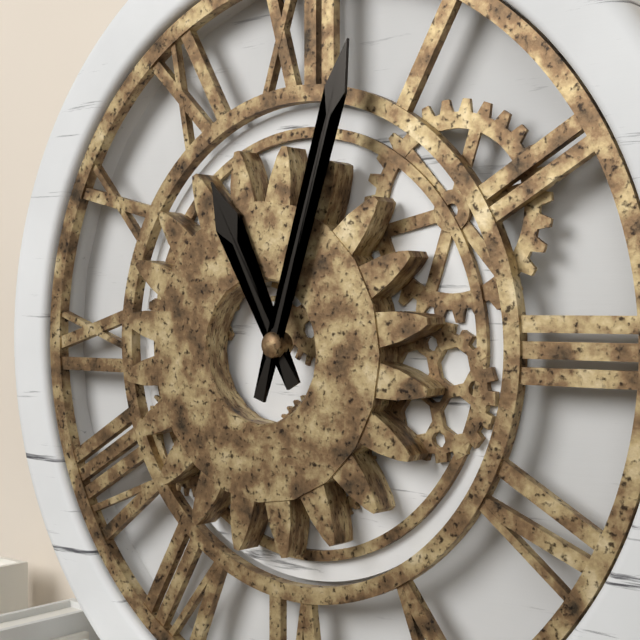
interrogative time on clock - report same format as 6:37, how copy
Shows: 11:03
